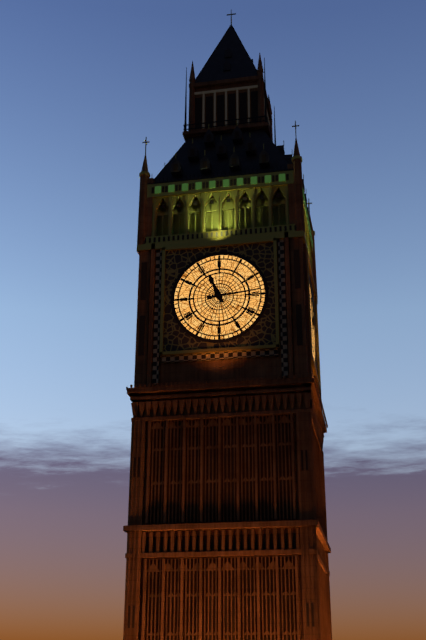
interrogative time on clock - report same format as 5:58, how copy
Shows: 11:14
